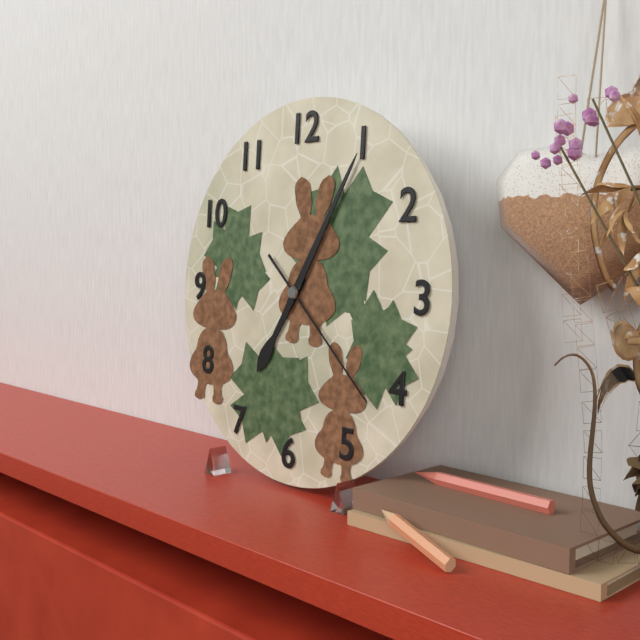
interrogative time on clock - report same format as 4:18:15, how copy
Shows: 7:05:22
